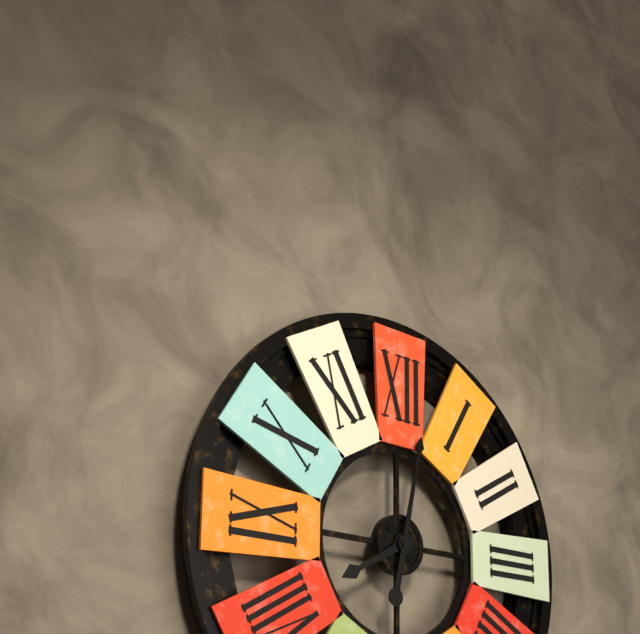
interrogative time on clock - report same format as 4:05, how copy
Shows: 8:02
